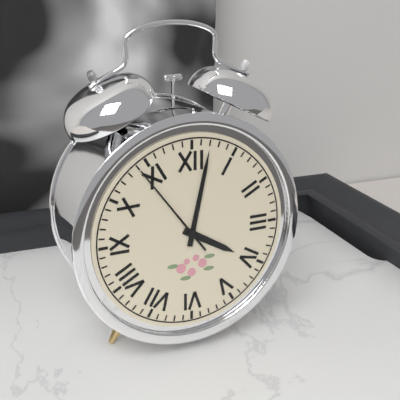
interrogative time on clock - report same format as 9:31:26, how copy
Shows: 4:02:54
